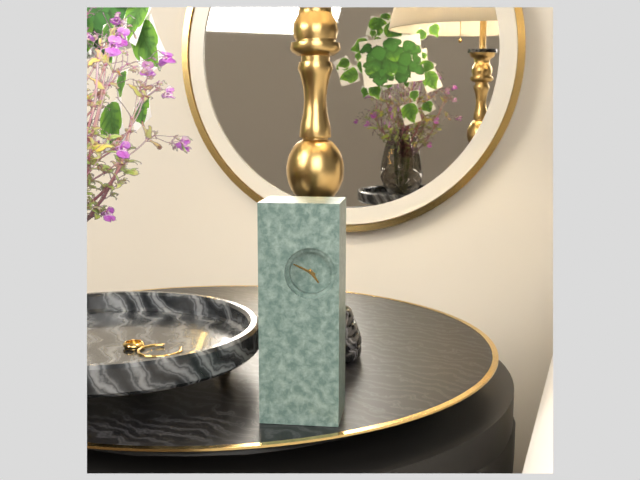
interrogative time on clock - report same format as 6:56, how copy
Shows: 4:49
